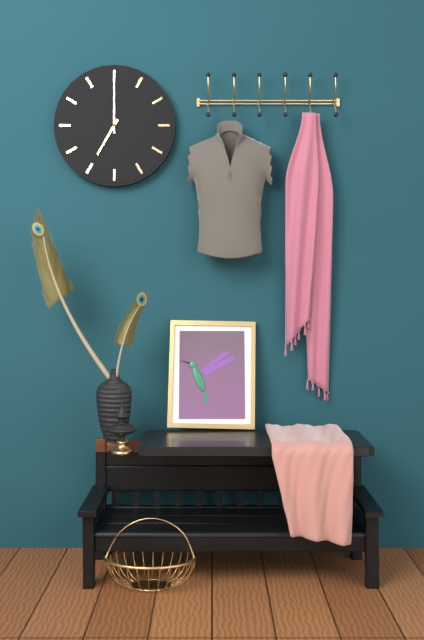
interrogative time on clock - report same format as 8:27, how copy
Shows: 7:00
